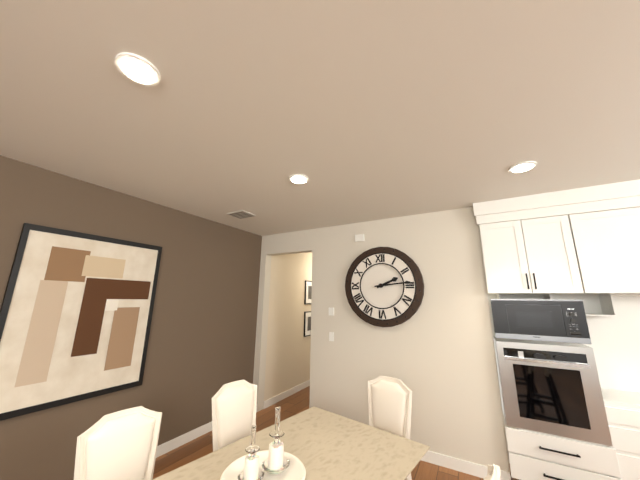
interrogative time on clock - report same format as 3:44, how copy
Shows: 2:14
